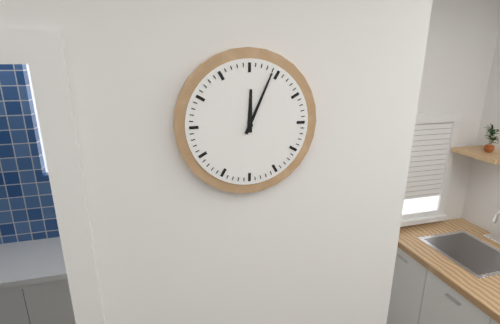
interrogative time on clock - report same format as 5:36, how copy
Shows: 12:04
